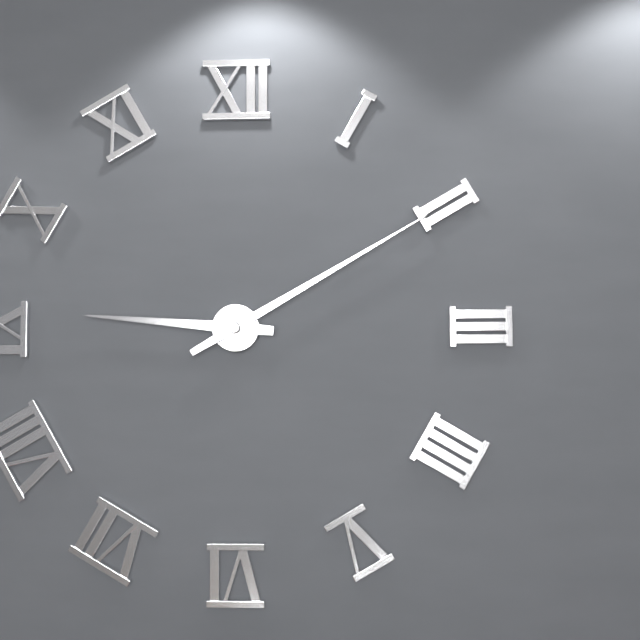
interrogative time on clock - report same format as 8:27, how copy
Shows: 9:10
